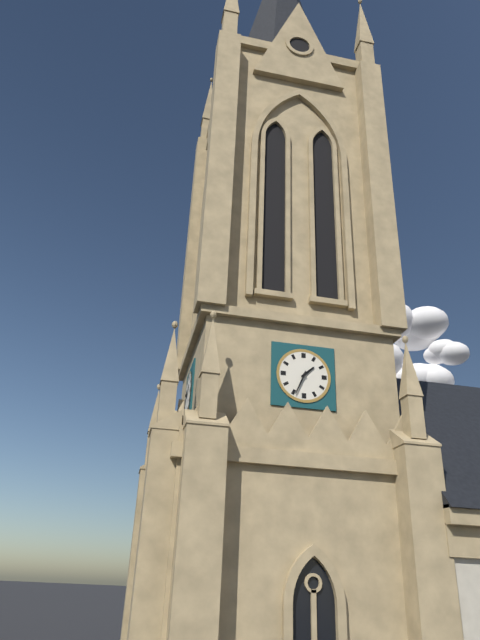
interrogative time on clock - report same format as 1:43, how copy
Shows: 1:34
